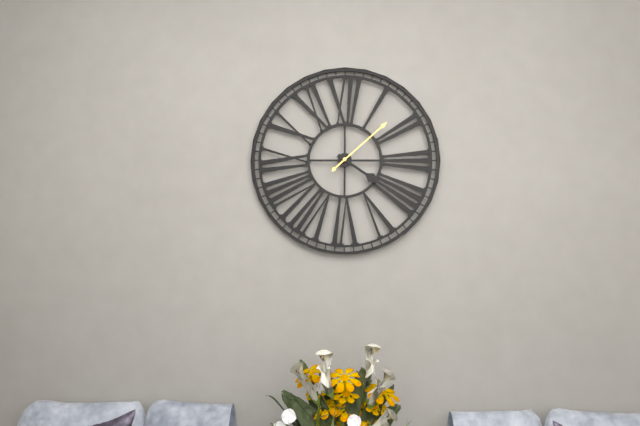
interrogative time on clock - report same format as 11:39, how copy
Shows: 4:08
